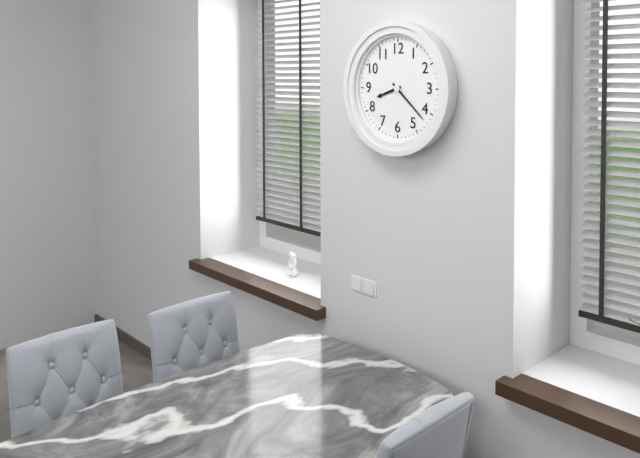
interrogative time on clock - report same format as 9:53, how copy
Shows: 8:22
